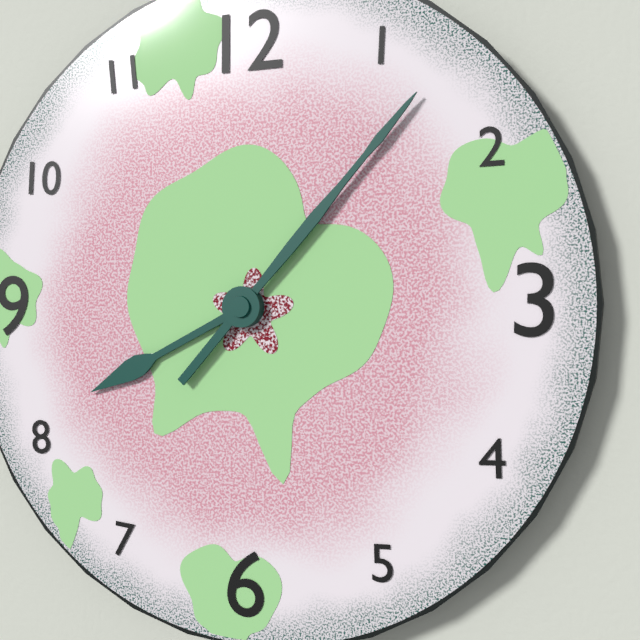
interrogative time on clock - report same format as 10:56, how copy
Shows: 8:07
